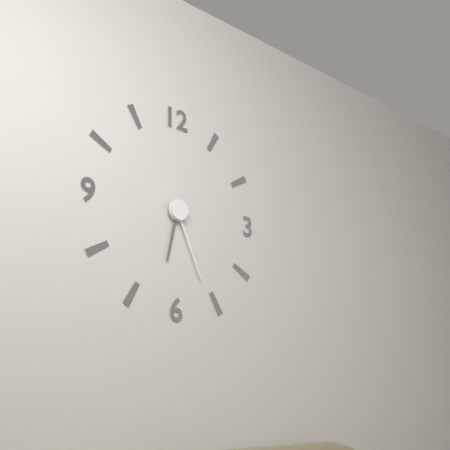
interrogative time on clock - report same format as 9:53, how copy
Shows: 6:26
